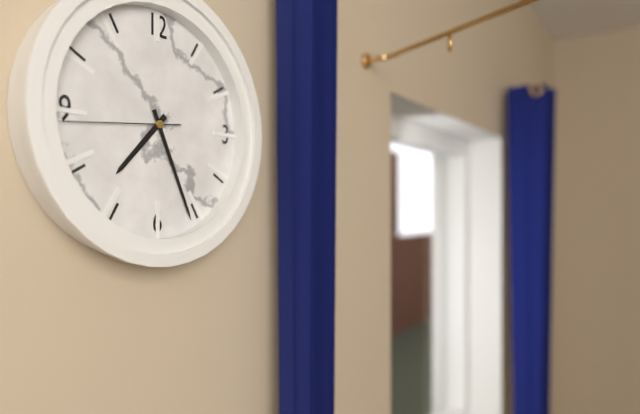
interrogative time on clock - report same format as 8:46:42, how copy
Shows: 7:26:44
